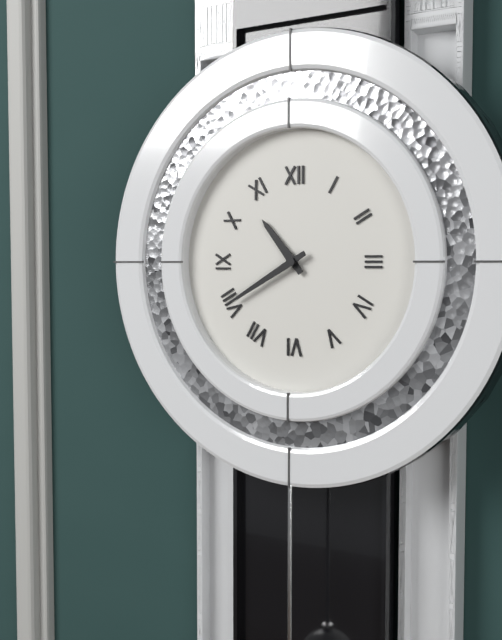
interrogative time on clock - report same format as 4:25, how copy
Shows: 10:40
